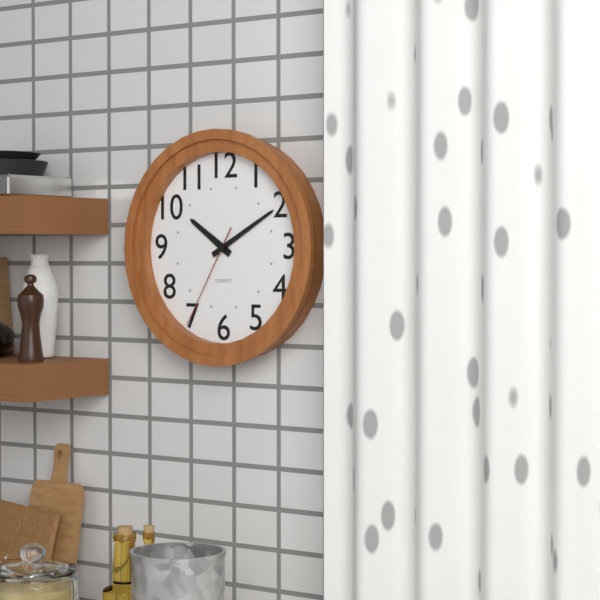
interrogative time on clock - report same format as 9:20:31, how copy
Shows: 10:10:35
